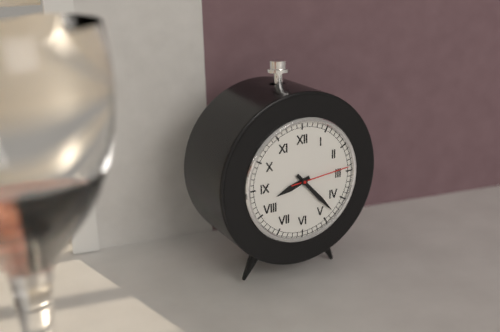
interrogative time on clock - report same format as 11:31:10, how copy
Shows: 8:23:14
